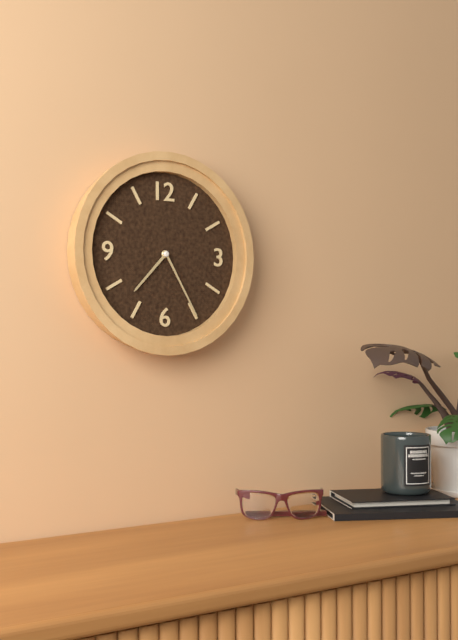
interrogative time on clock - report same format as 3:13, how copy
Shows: 7:25
